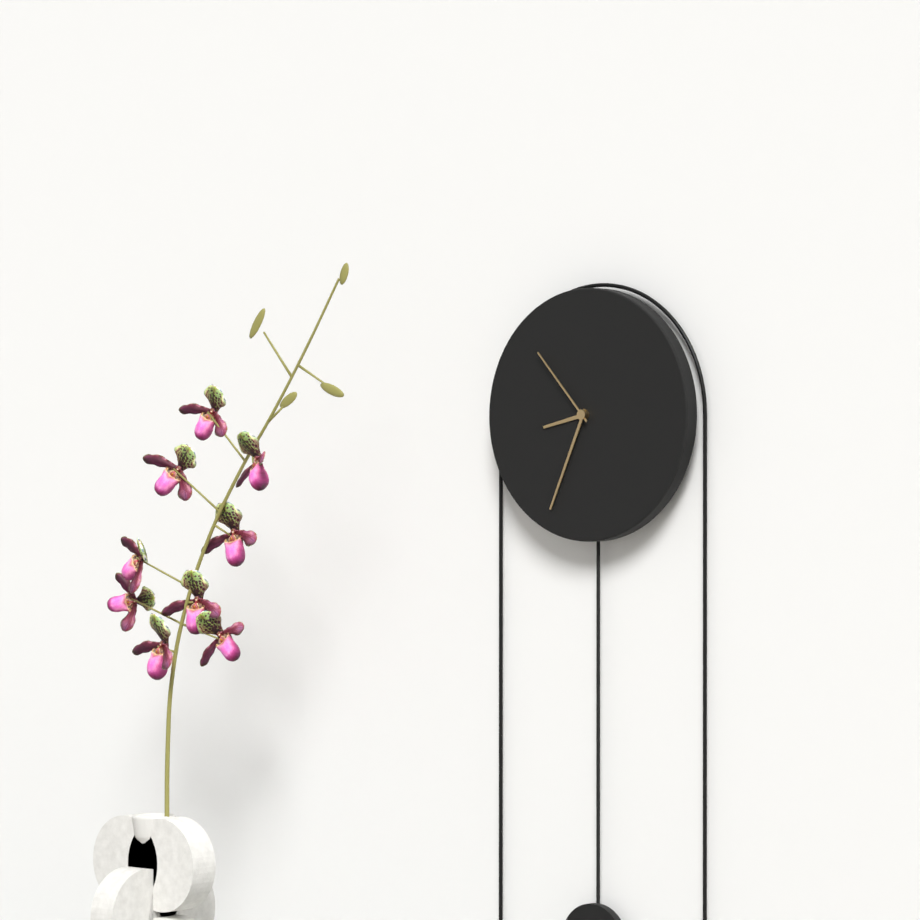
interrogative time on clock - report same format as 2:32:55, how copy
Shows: 8:34:53
